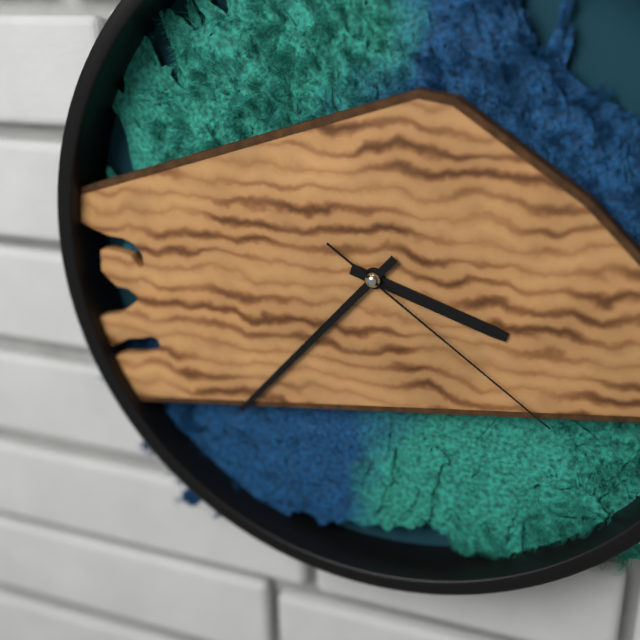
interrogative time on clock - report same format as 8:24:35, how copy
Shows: 3:37:21
